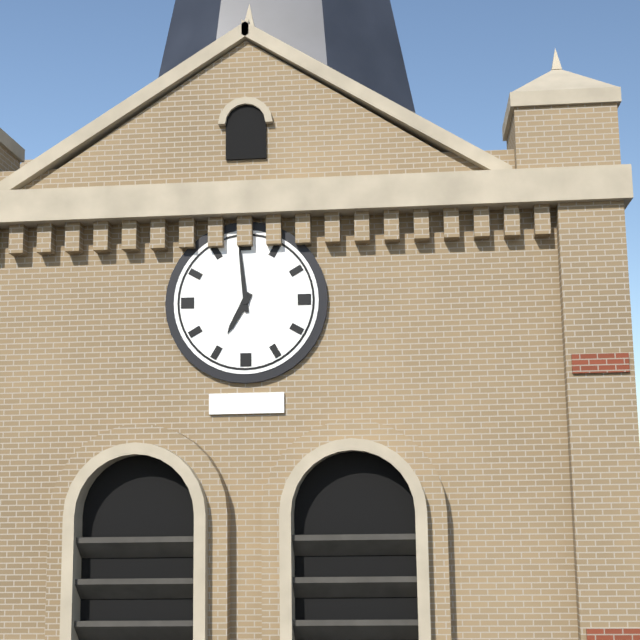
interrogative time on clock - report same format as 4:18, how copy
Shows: 6:59
